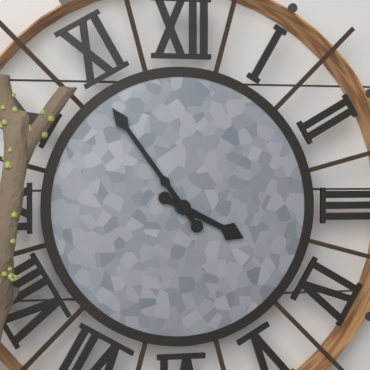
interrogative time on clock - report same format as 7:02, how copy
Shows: 3:54
